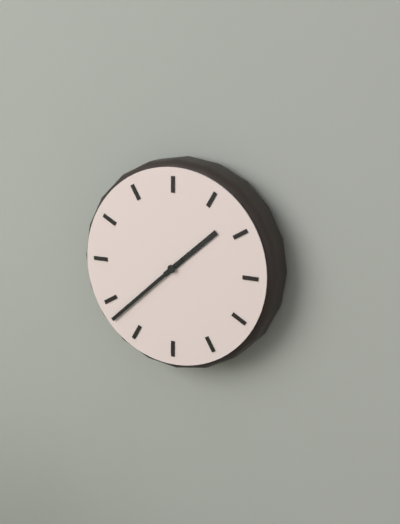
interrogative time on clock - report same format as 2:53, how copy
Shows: 1:38
